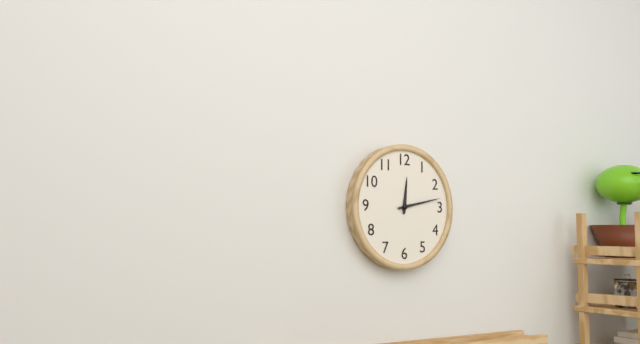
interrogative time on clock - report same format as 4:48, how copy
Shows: 12:13
